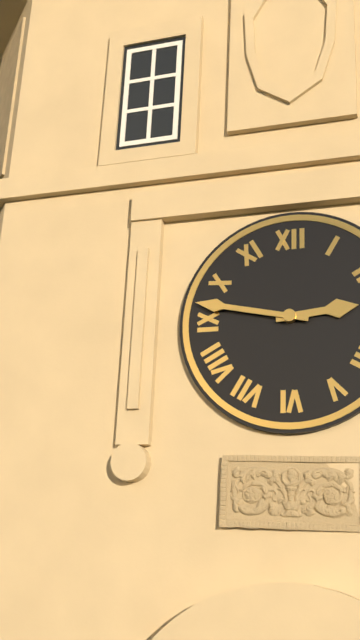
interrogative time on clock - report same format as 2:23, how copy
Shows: 2:47
